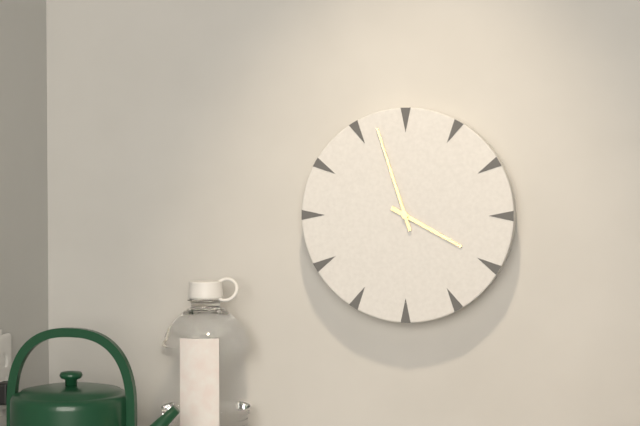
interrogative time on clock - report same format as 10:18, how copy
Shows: 3:57
